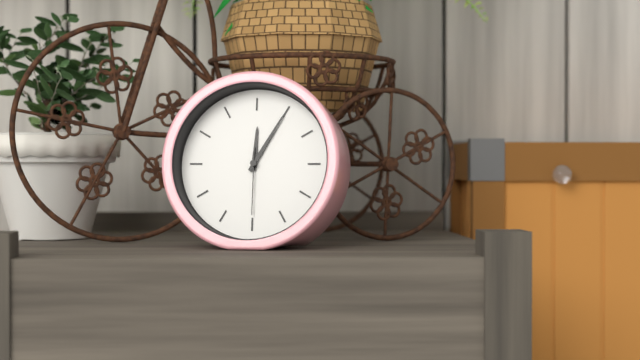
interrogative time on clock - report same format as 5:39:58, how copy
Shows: 12:05:30
